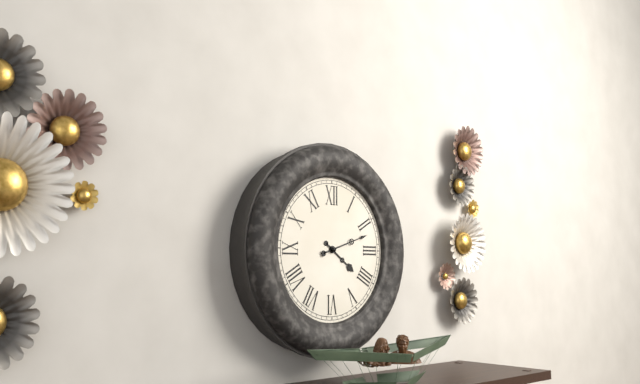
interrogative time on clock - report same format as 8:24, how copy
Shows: 4:12
